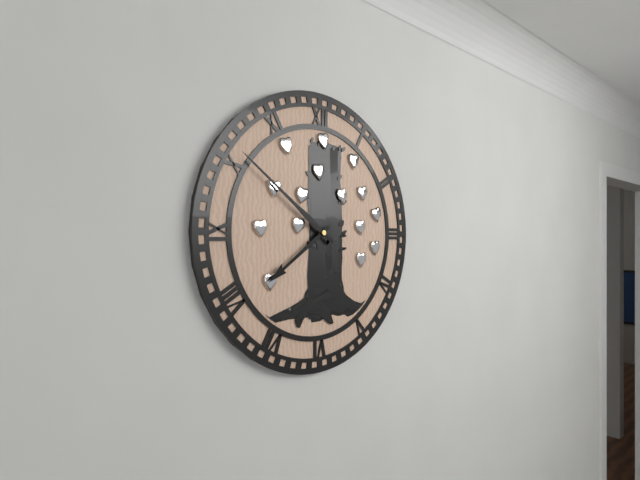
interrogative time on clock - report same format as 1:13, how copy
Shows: 7:51
